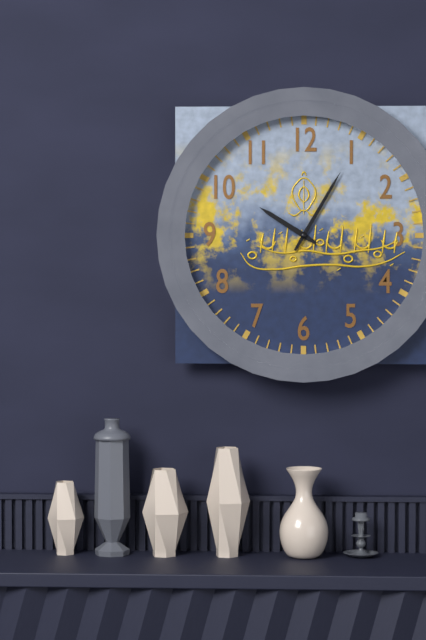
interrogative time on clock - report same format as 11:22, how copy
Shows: 10:05
